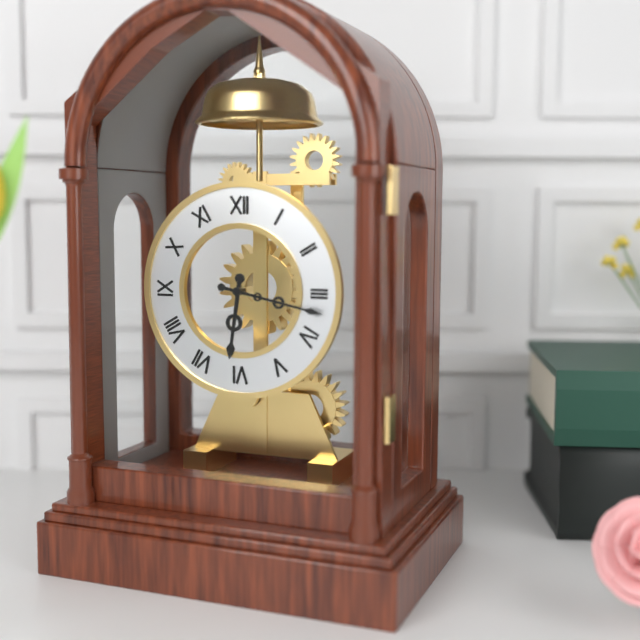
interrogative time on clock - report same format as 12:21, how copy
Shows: 6:17
